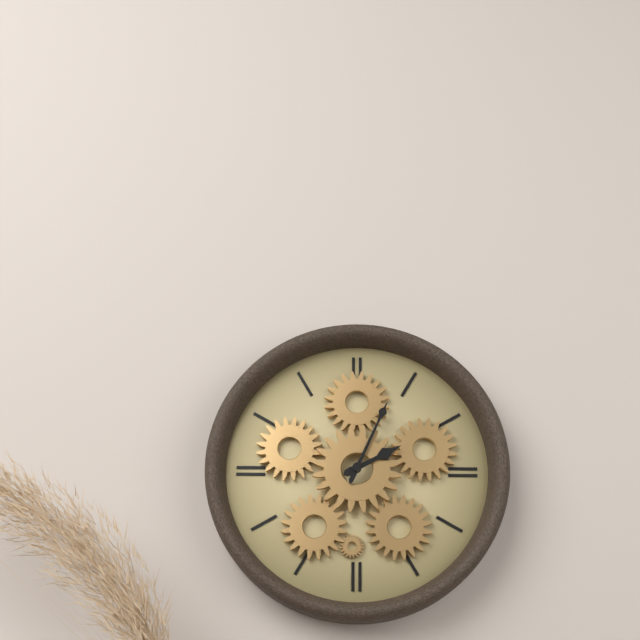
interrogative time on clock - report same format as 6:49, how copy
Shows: 2:04
